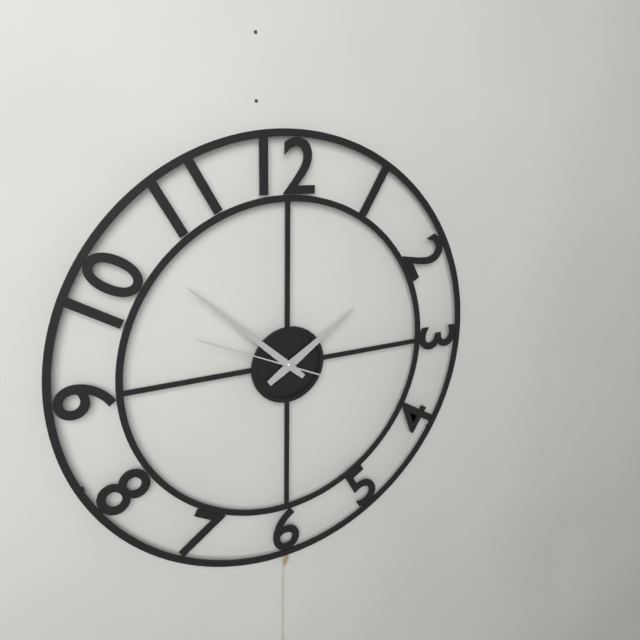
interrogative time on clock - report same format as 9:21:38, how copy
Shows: 1:52:49
